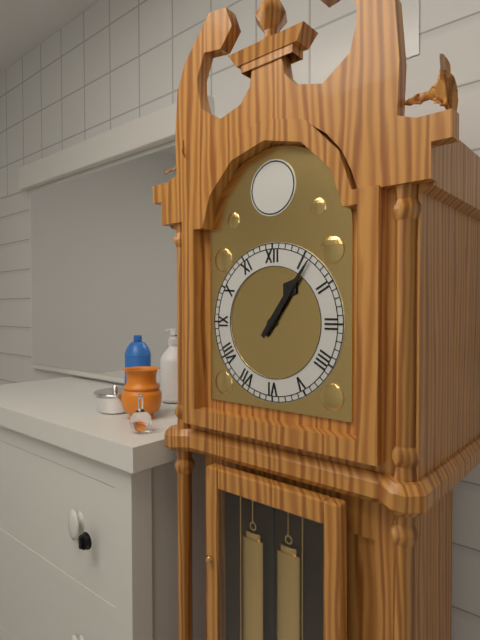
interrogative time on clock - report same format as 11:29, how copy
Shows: 1:06
